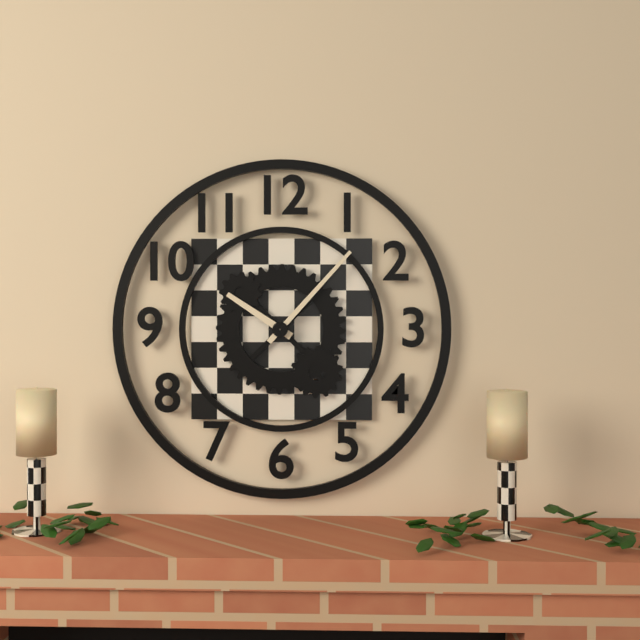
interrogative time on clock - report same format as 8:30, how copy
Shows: 10:07
